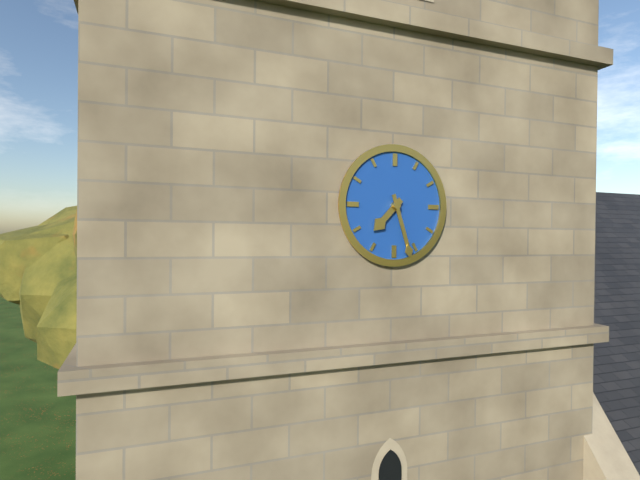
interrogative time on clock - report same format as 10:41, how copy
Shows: 7:27
